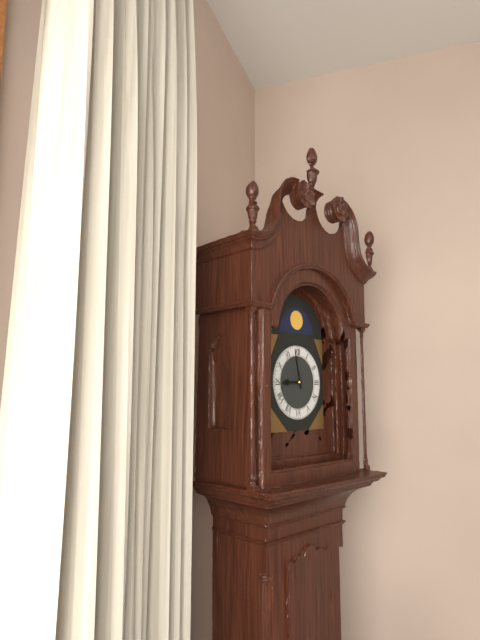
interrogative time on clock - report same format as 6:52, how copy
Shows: 8:58
